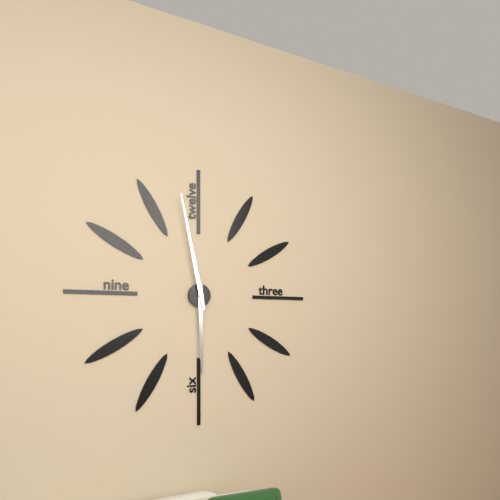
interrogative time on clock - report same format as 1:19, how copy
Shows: 5:58
